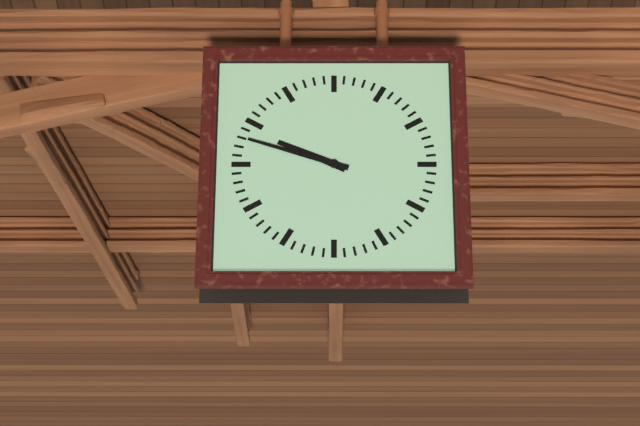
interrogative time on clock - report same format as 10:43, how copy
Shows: 9:48
